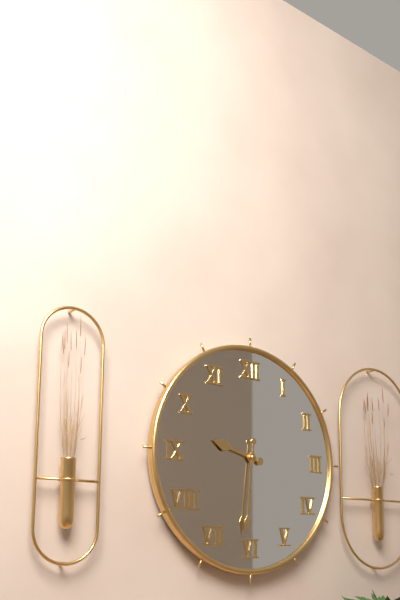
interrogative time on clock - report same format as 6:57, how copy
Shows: 9:31
